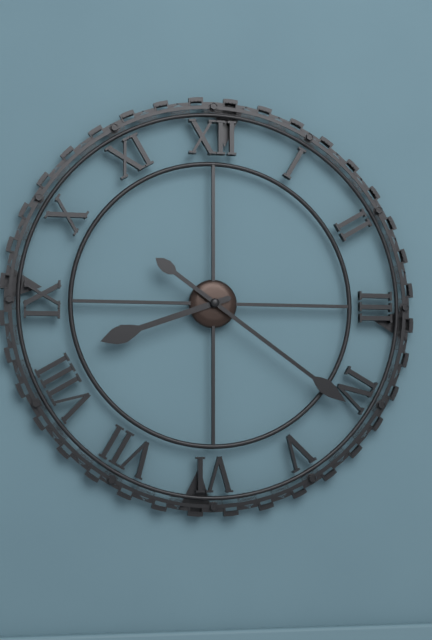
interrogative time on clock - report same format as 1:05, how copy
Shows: 8:21
